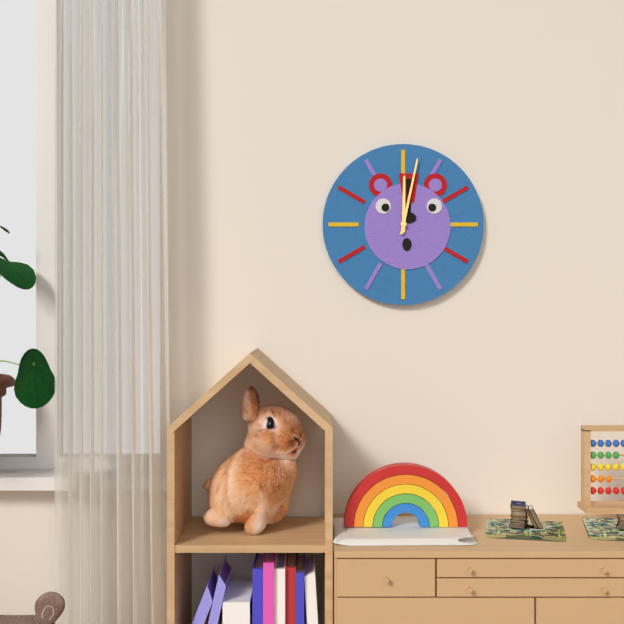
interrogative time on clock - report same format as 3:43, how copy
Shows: 12:02
